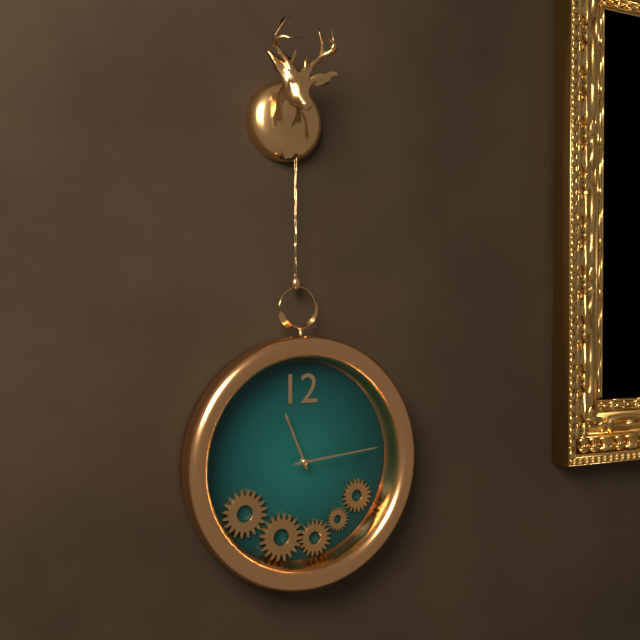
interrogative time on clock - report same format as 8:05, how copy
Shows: 11:14
